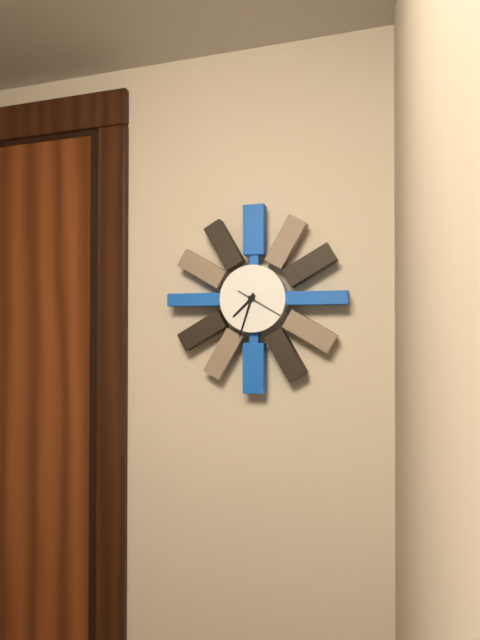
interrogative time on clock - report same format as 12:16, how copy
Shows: 7:33
